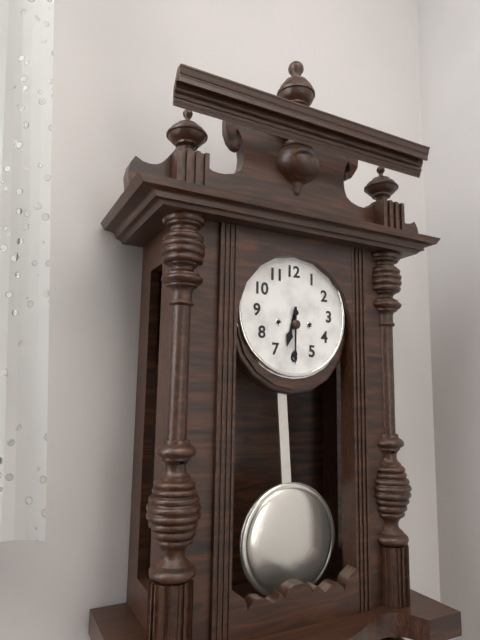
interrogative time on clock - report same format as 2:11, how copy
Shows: 6:30
